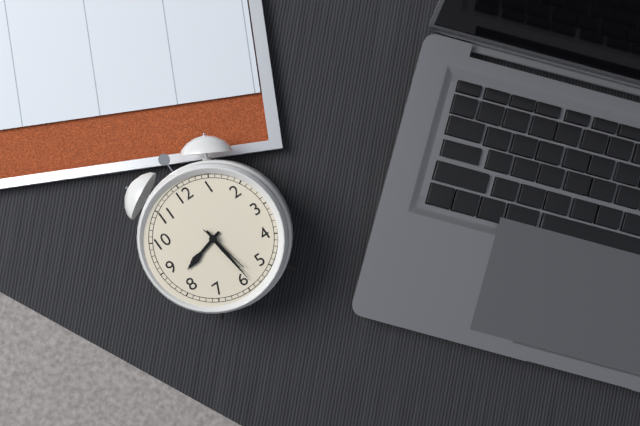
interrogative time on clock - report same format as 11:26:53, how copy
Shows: 8:29:28
